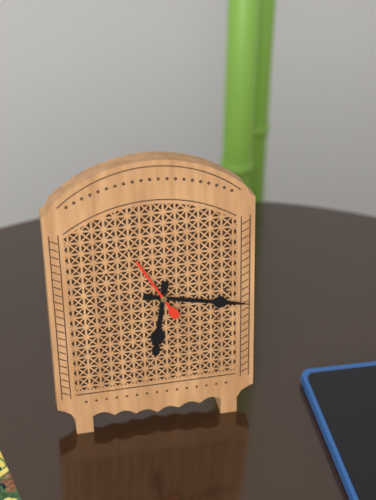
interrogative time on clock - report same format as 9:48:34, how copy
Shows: 6:17:55
